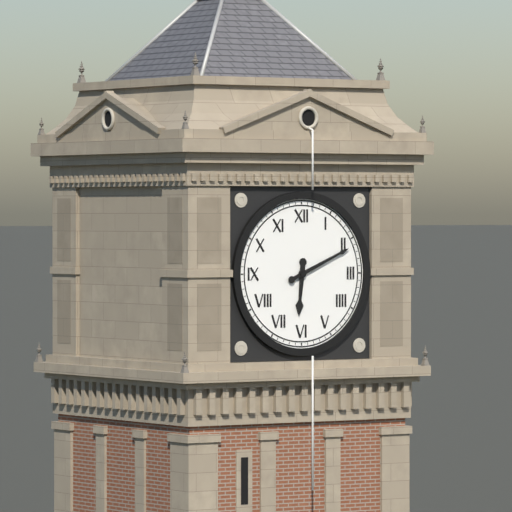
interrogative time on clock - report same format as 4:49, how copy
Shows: 6:11
